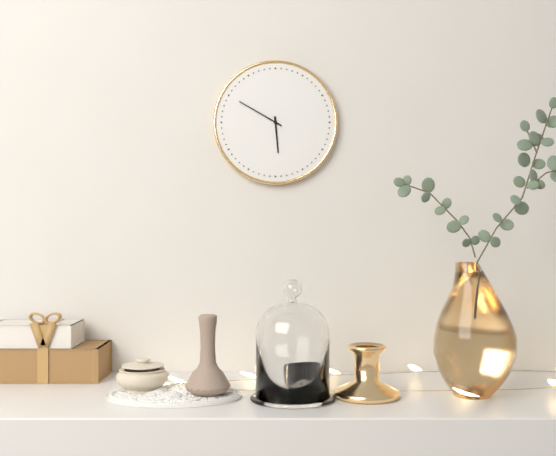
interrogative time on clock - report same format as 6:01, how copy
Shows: 5:50
